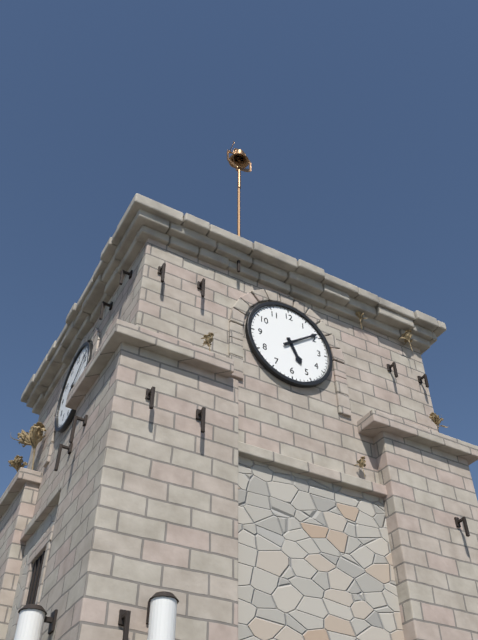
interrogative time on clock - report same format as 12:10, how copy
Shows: 5:09
